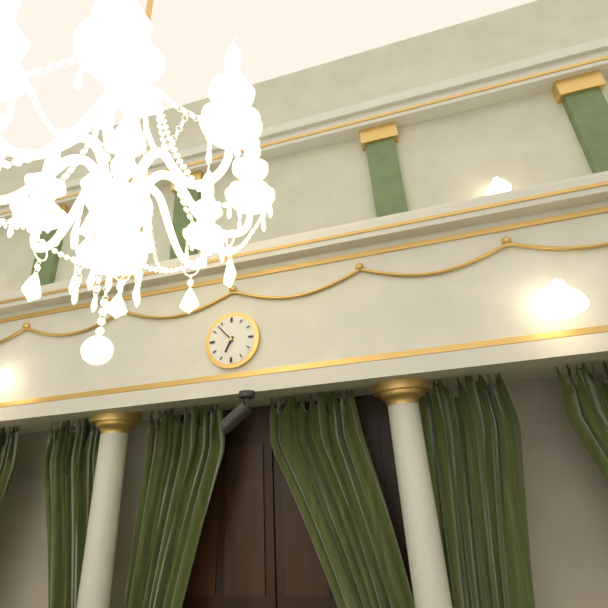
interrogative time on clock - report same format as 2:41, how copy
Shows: 6:53
